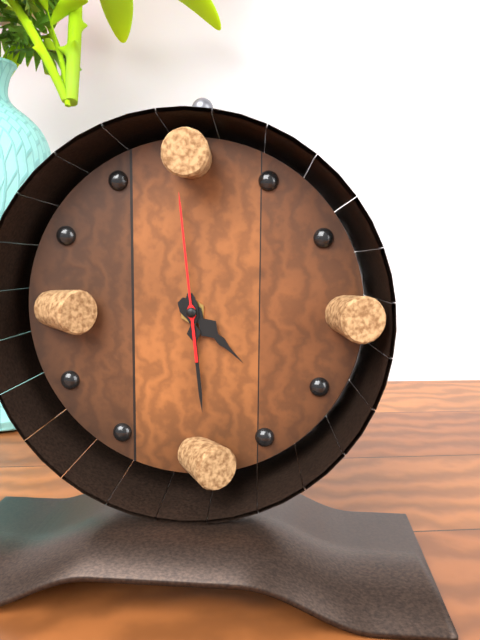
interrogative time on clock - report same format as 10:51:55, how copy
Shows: 4:29:59
